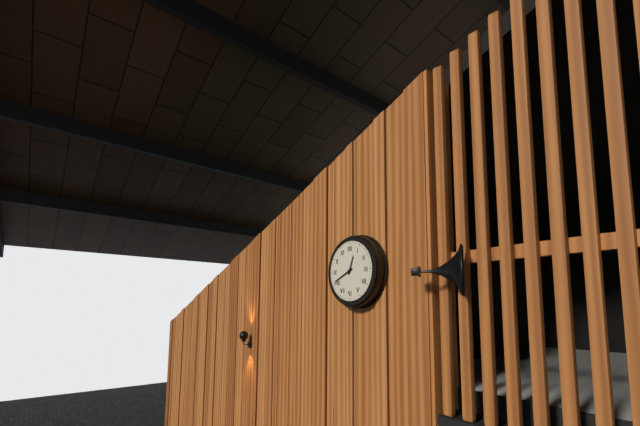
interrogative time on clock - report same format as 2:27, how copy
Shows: 12:41
